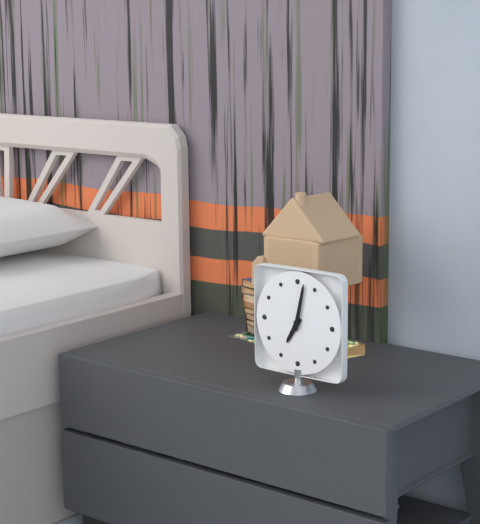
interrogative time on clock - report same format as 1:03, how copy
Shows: 7:02
